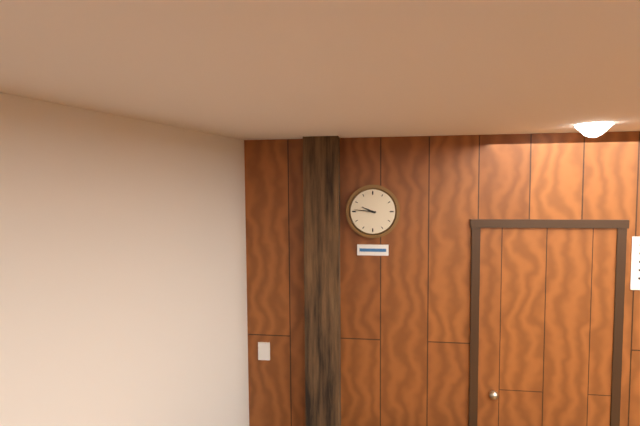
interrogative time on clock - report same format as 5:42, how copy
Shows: 9:46
